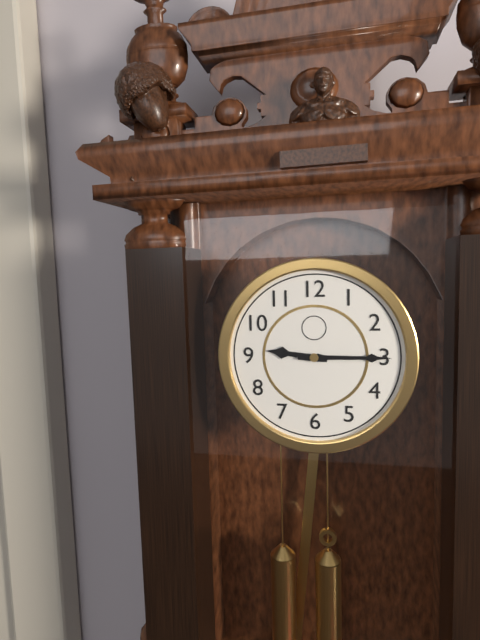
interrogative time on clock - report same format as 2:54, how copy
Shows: 9:15
